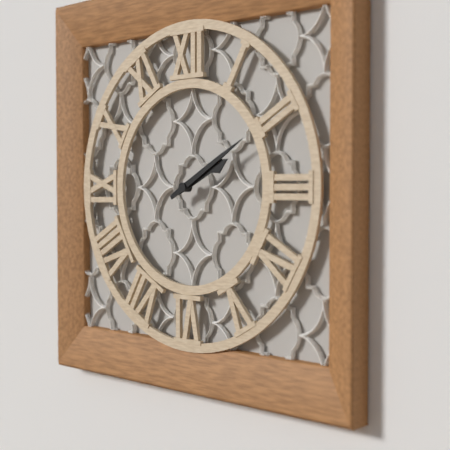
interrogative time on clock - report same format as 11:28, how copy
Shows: 2:10
